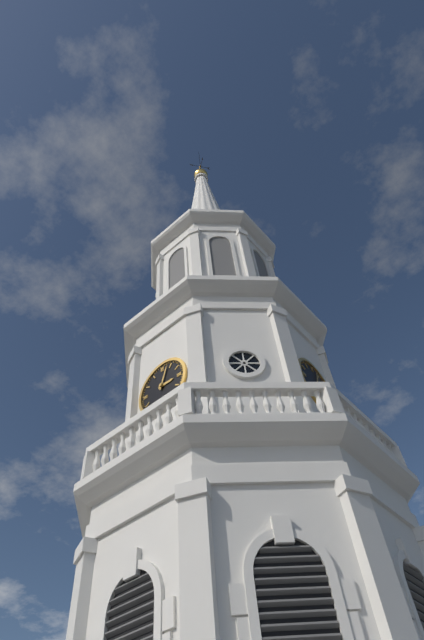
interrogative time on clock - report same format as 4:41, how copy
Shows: 3:03
